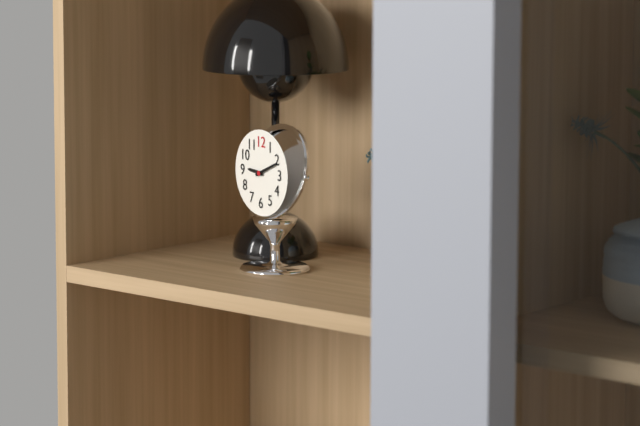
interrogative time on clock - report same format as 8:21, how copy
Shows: 9:11
